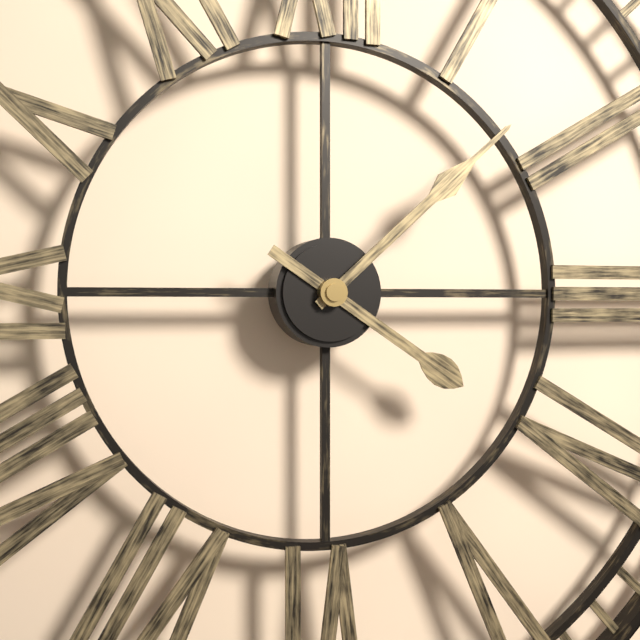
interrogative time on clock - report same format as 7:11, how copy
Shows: 4:08
